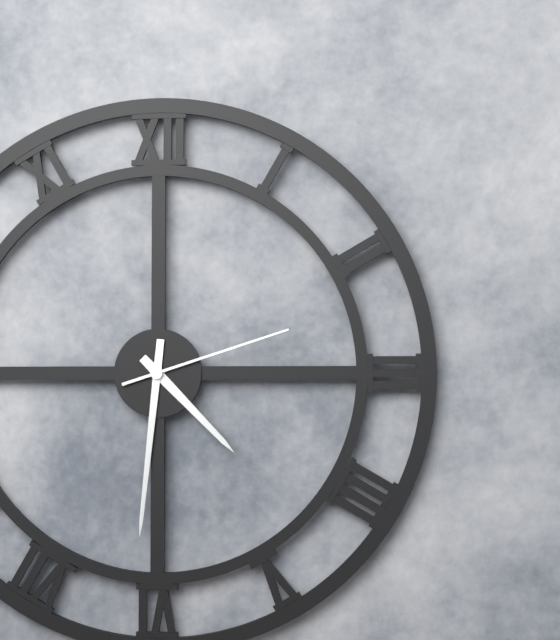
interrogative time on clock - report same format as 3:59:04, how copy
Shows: 4:31:12
